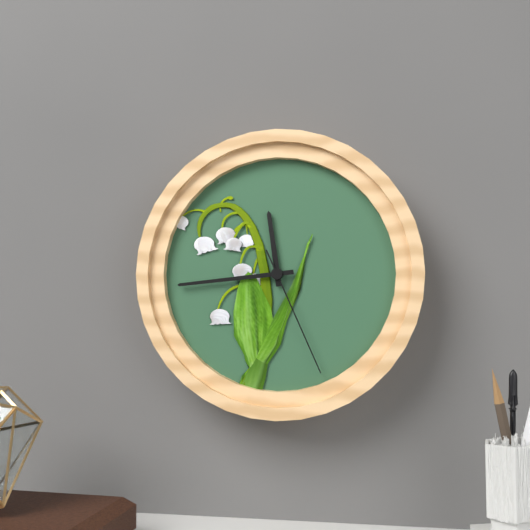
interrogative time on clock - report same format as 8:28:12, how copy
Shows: 11:44:26
